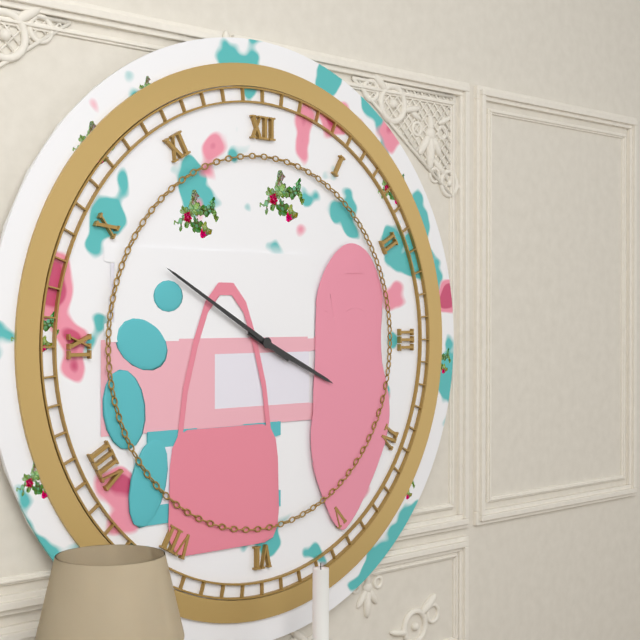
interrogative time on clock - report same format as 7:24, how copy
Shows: 3:50
